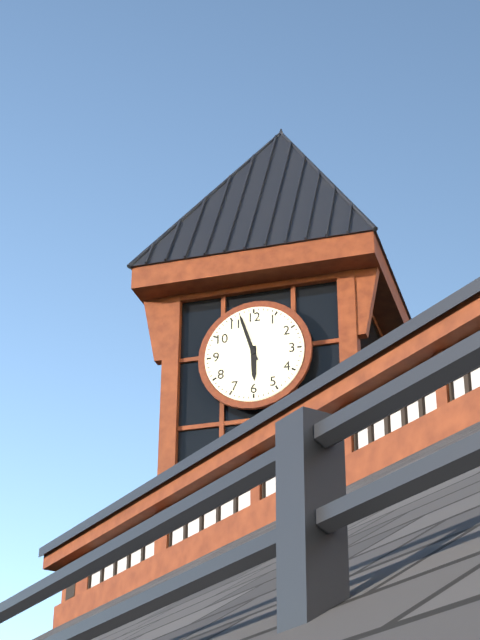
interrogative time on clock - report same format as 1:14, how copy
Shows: 5:57
